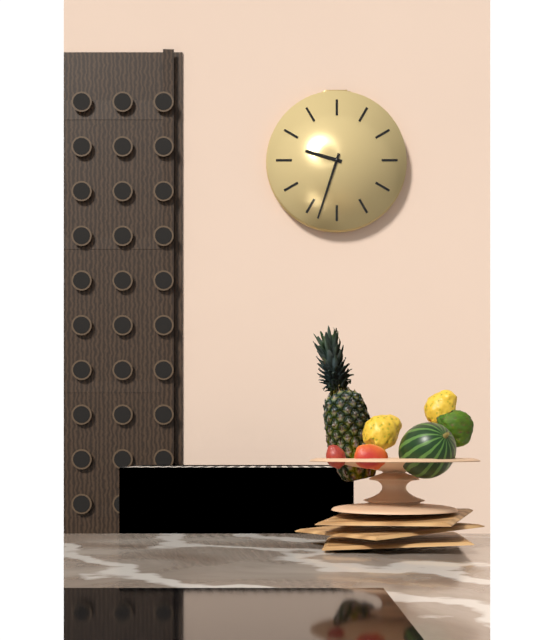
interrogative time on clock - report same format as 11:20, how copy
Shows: 9:33
